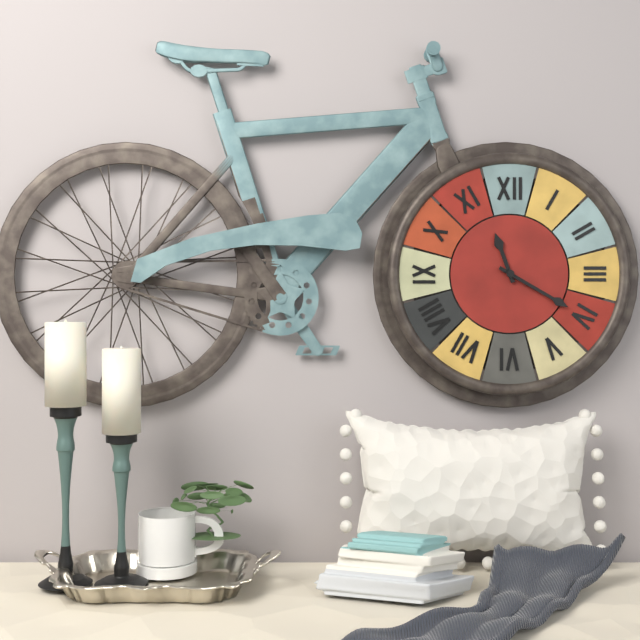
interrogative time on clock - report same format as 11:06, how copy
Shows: 11:20
